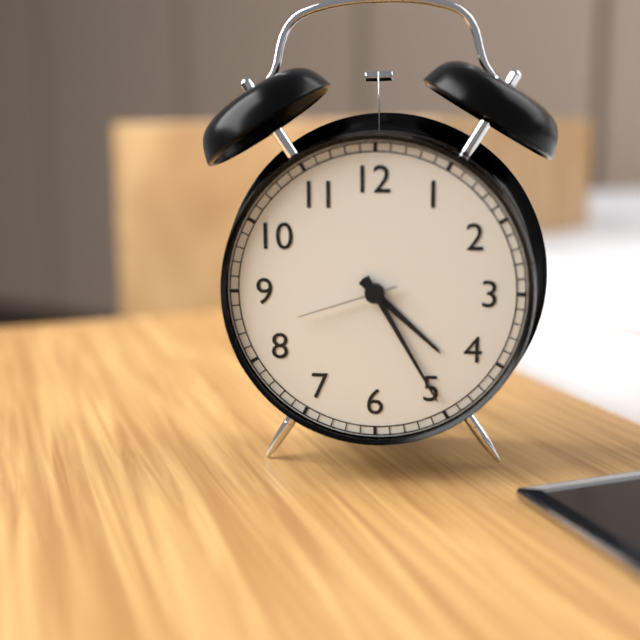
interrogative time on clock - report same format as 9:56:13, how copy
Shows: 4:25:42
